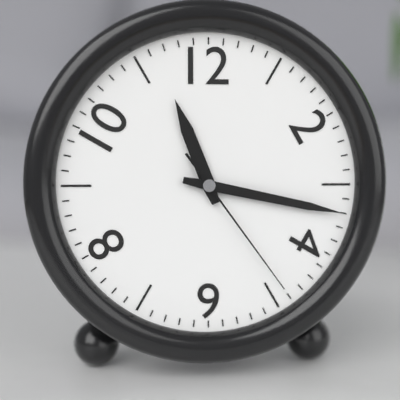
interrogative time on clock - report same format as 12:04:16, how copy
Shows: 11:17:24
